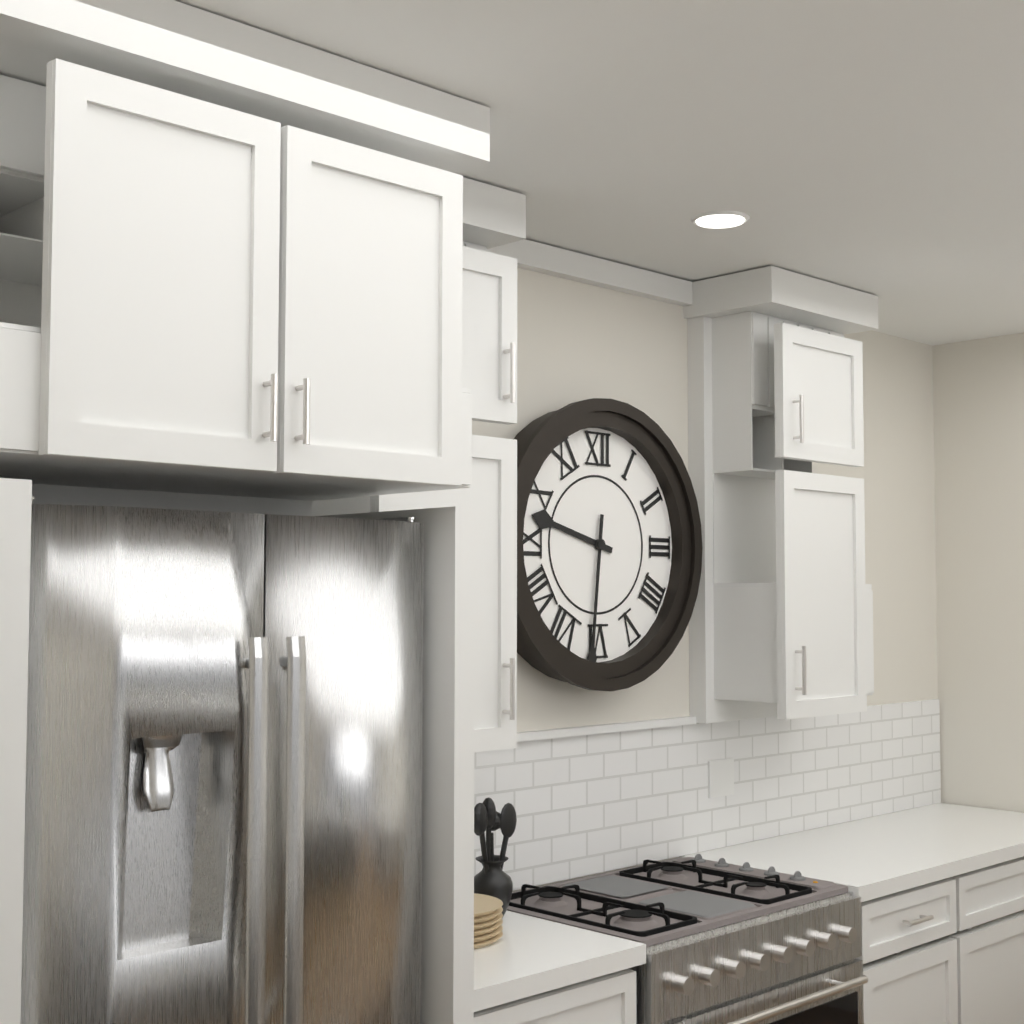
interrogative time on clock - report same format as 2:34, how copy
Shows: 9:31
